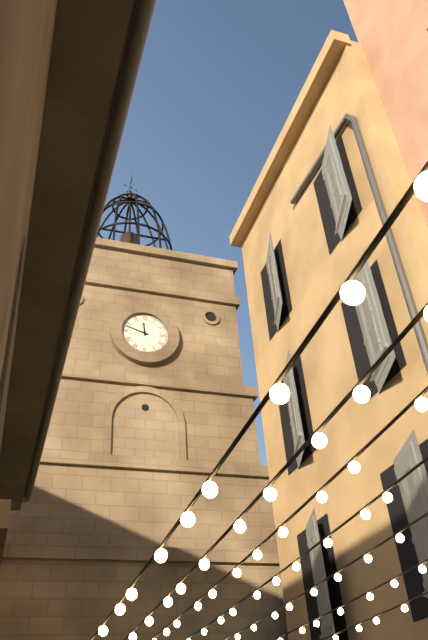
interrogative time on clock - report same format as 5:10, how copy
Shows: 11:48
